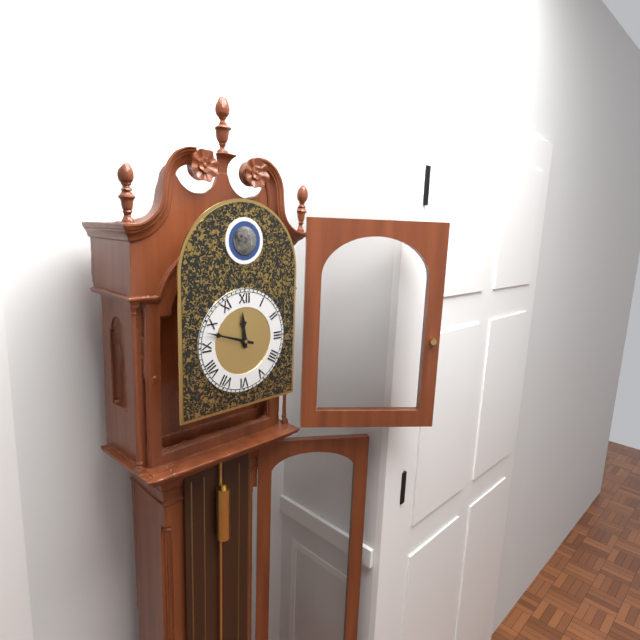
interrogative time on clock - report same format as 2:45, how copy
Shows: 11:48
